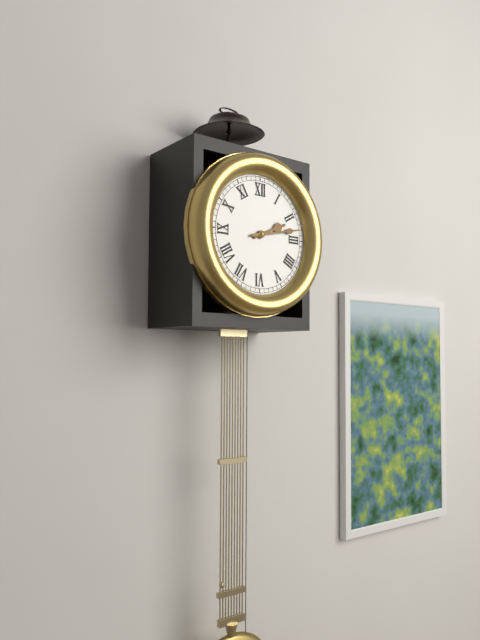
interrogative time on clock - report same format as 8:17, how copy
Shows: 2:13
